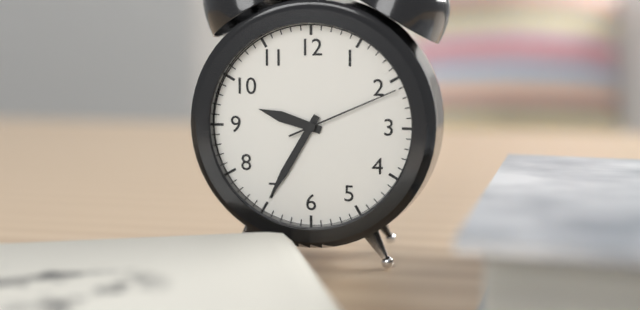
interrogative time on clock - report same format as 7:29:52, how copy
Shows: 9:35:11
